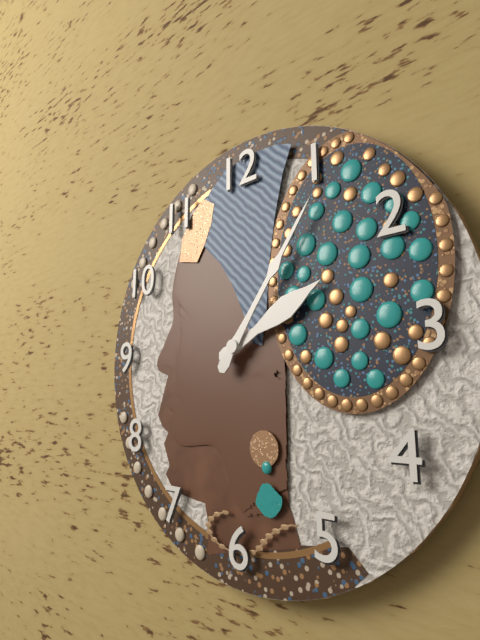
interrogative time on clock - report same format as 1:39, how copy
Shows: 2:06
